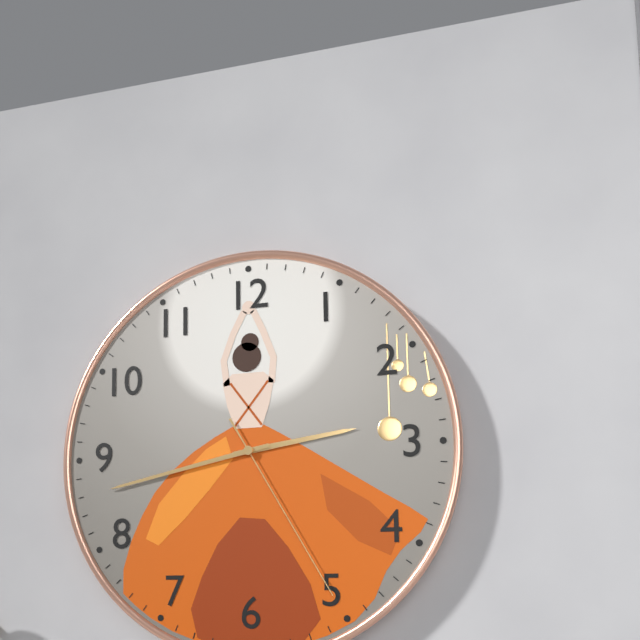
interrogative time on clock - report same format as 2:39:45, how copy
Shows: 2:43:25
